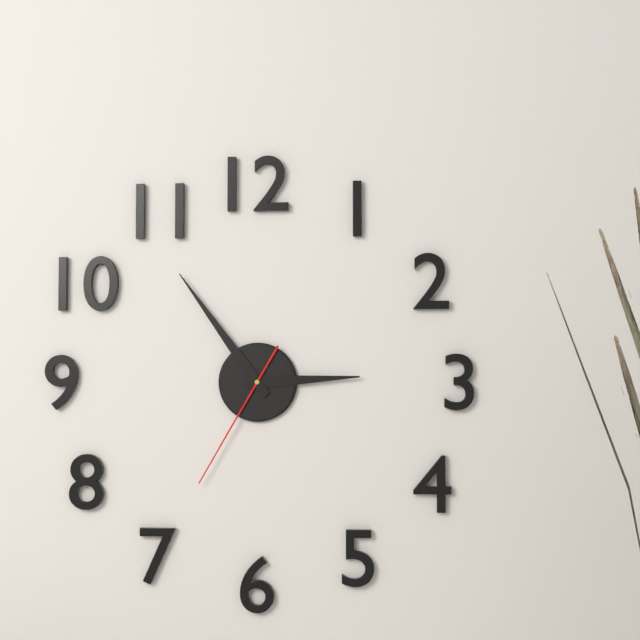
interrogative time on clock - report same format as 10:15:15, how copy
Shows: 2:54:35
